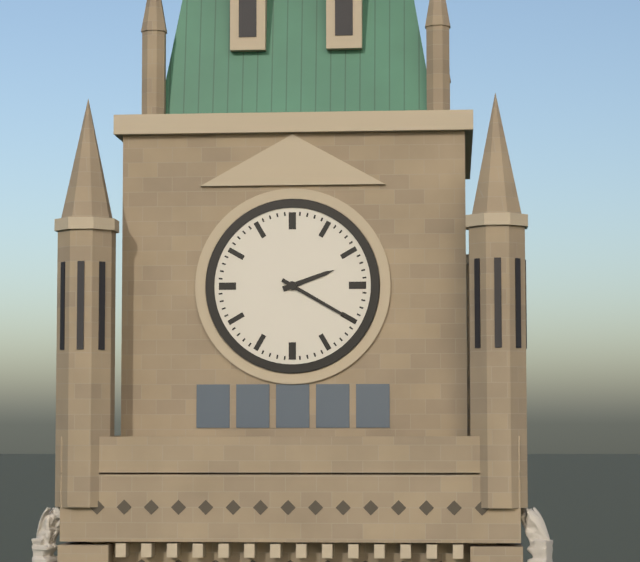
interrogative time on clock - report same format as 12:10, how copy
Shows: 2:20
